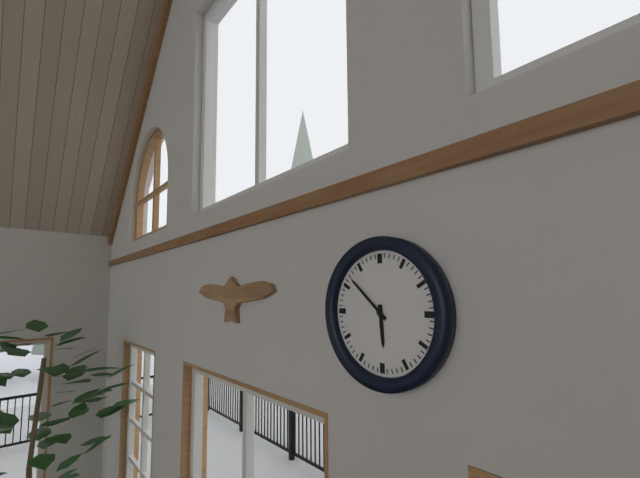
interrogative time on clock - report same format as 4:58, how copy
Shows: 5:52
